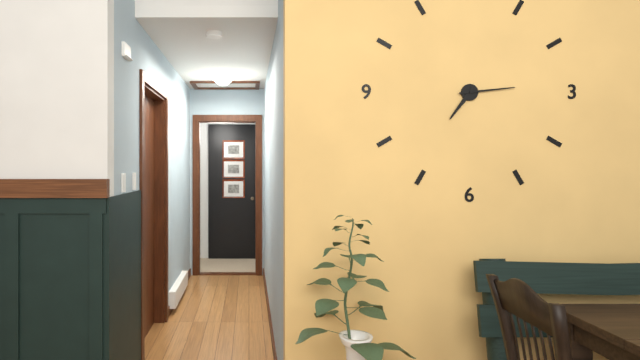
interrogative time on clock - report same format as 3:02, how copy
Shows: 7:14
